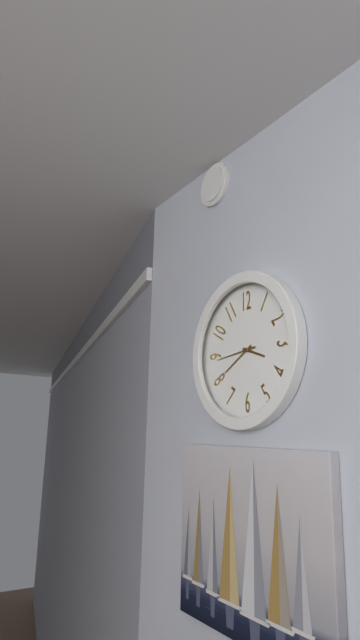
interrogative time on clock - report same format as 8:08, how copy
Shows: 3:40
